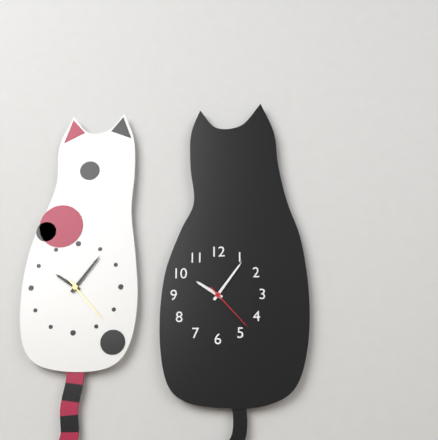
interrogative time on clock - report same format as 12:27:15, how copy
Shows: 10:06:23
